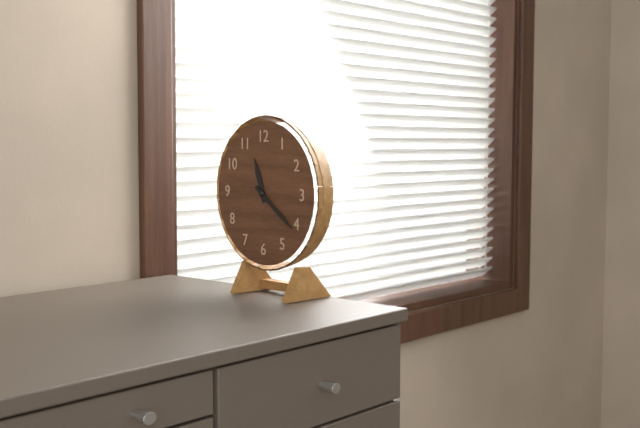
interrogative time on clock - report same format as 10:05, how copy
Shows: 11:21
